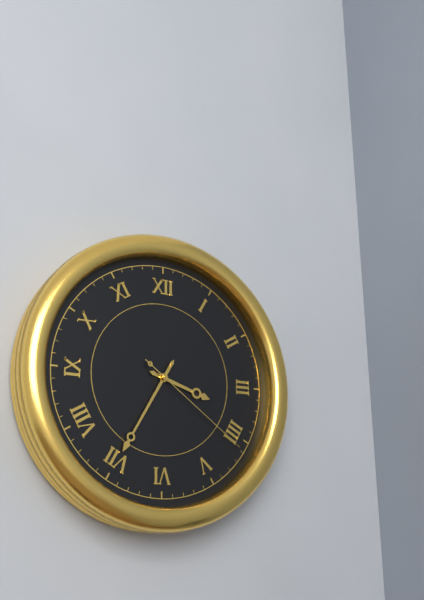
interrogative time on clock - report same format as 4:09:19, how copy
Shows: 3:35:21
